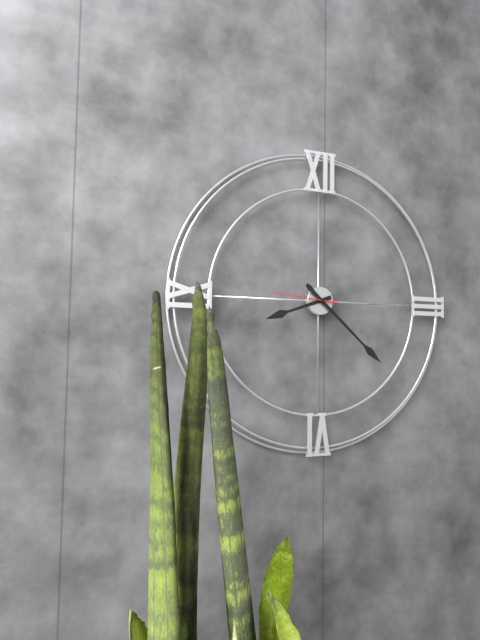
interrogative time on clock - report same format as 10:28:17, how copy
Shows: 8:22:46
